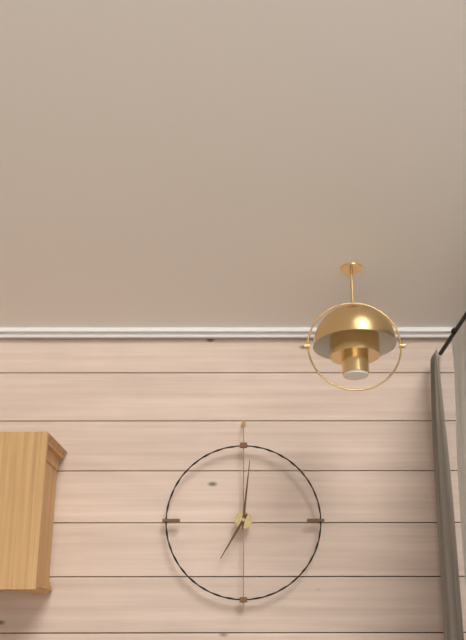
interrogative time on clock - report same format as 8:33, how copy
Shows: 7:01
